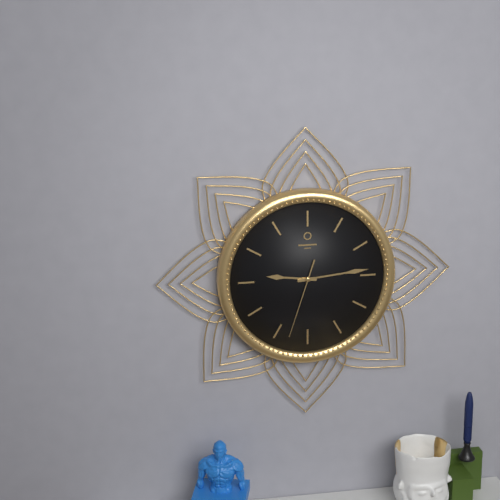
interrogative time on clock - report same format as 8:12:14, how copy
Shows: 9:14:33
